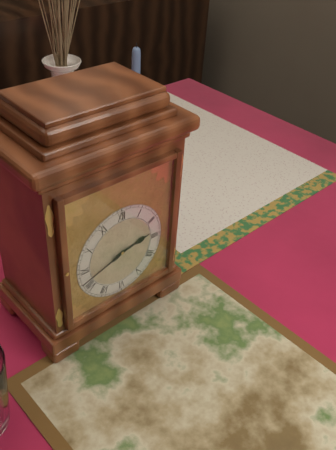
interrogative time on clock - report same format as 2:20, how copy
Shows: 2:42
